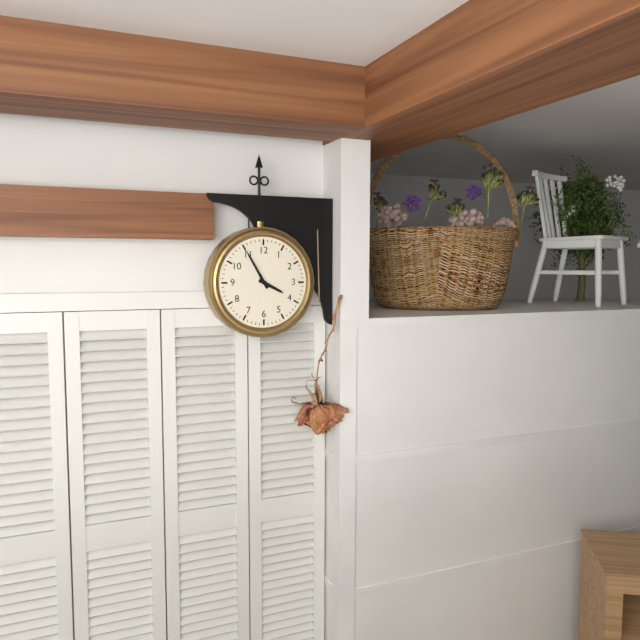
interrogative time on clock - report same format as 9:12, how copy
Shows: 3:55
